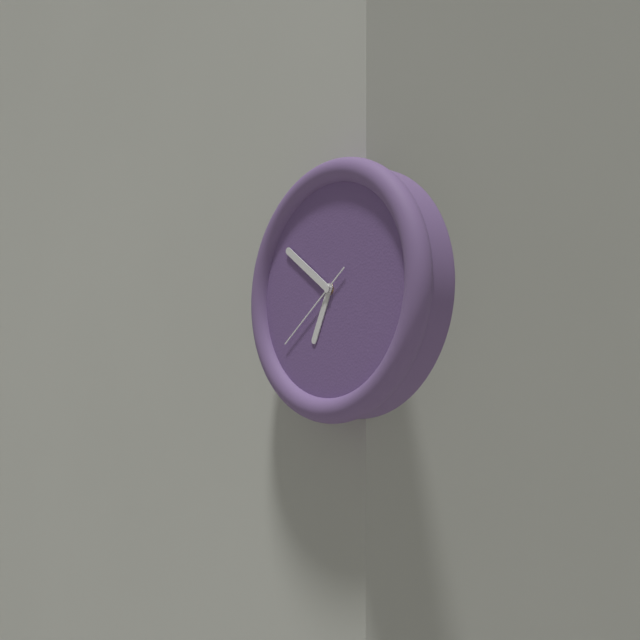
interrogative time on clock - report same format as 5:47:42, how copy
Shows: 6:51:39
